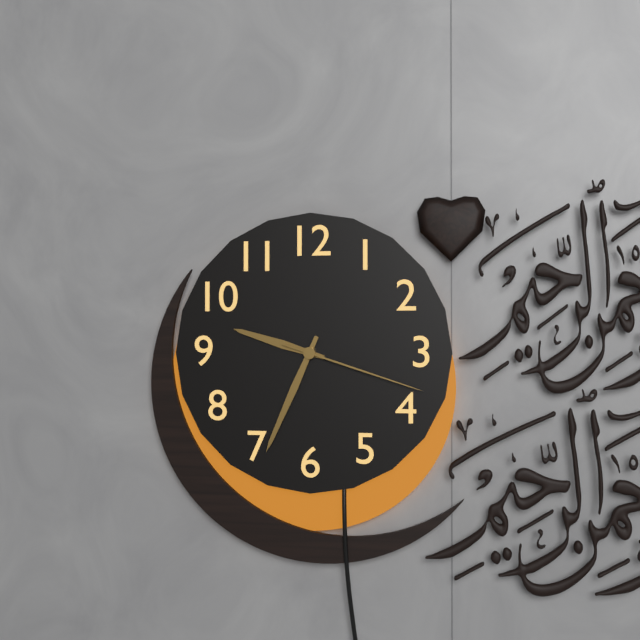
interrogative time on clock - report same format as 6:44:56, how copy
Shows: 9:34:18
